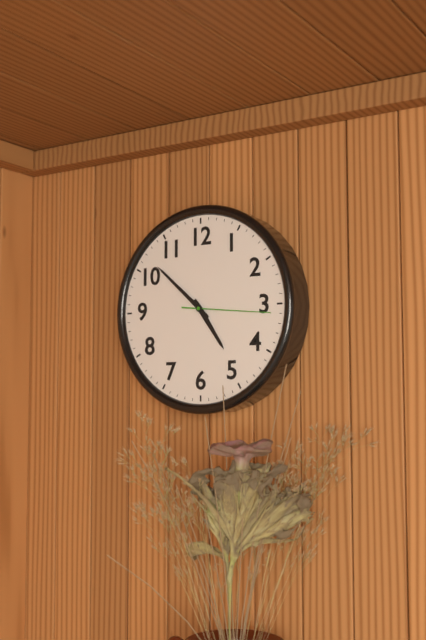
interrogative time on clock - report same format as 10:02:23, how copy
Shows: 4:52:16
